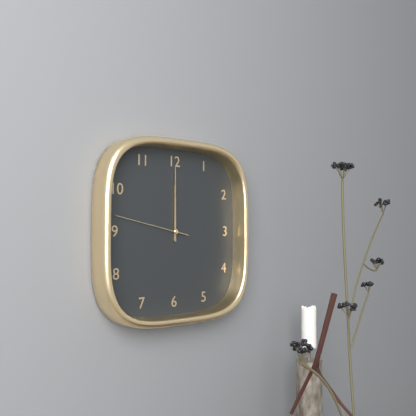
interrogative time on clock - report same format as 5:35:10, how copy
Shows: 12:00:47
